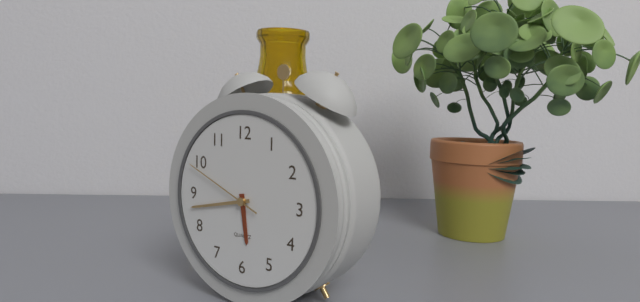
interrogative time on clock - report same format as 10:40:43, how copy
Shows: 5:43:49
